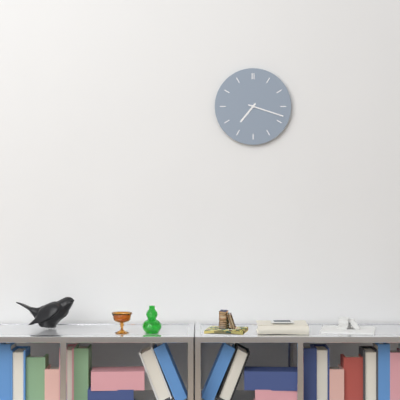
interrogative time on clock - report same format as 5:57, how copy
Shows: 7:18
